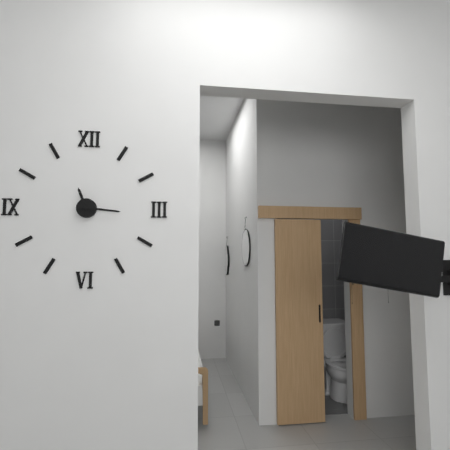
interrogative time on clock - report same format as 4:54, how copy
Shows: 11:16
